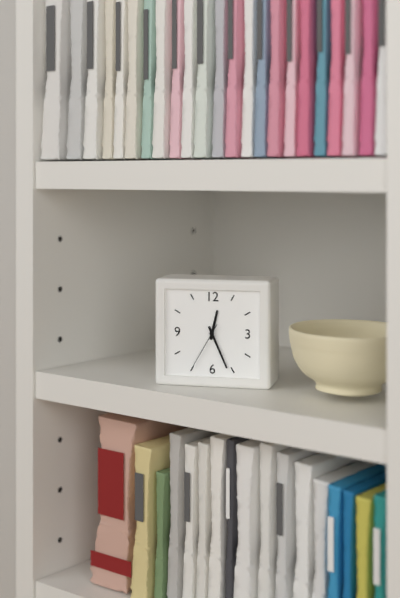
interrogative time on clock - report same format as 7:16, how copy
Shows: 12:26
